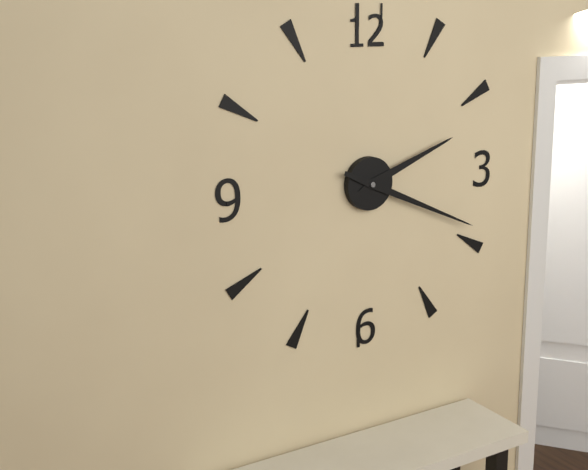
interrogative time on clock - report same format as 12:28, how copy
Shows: 2:19
